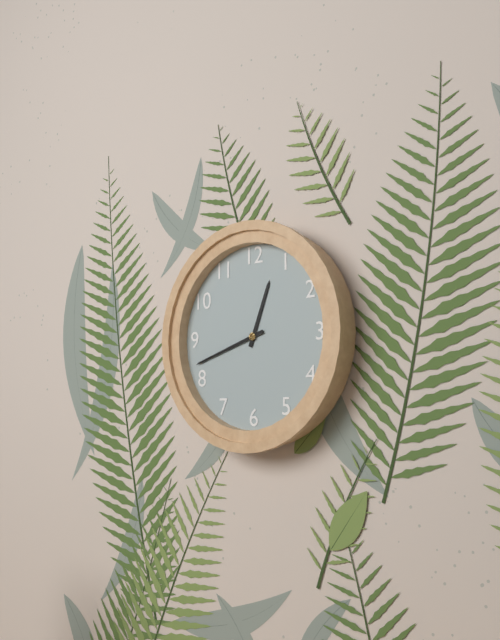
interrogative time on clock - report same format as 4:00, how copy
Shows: 12:42
